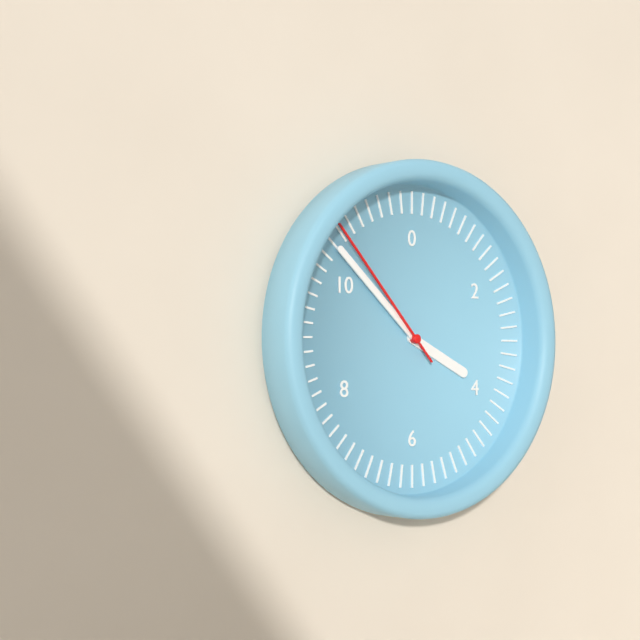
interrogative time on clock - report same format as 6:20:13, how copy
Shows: 3:52:53
